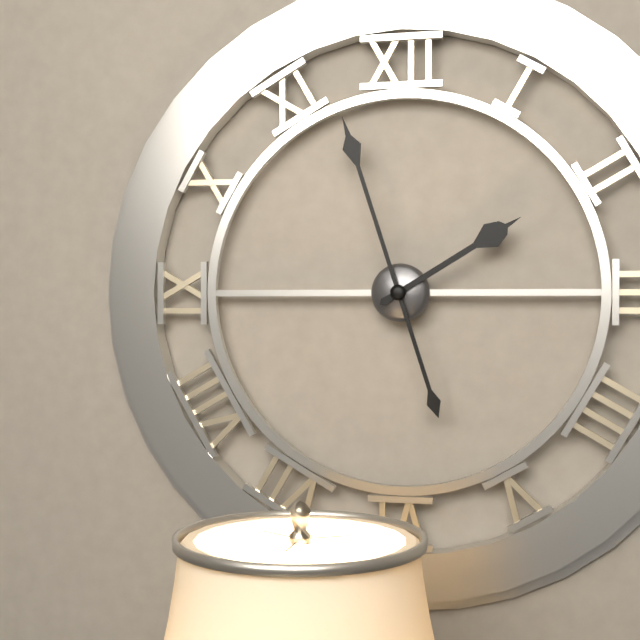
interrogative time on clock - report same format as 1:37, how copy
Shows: 1:57
